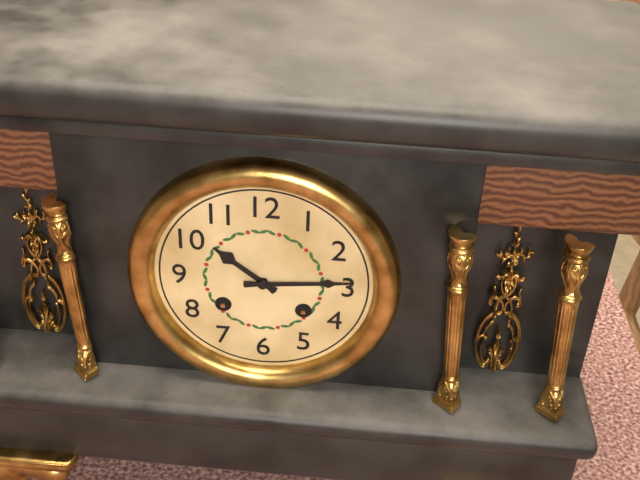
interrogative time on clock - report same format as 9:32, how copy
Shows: 10:14
